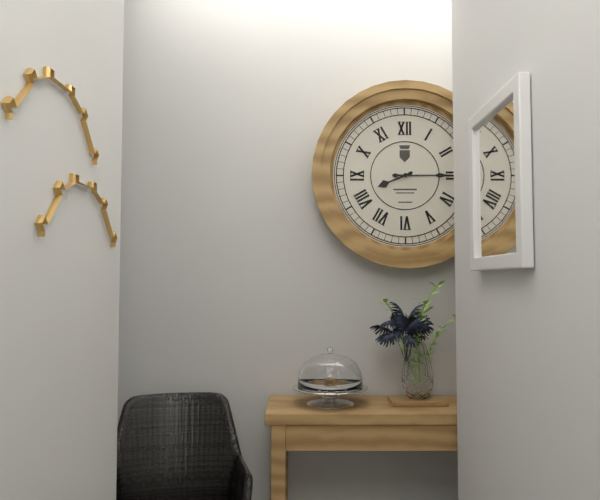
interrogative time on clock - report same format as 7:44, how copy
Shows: 8:15
